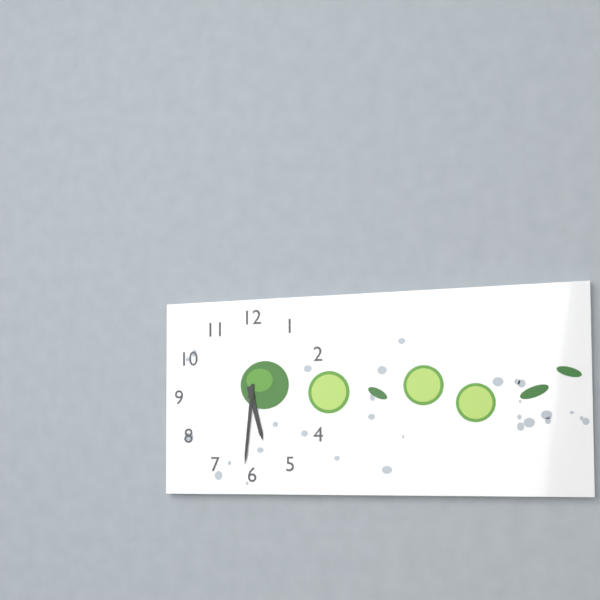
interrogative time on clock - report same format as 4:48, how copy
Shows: 5:31
